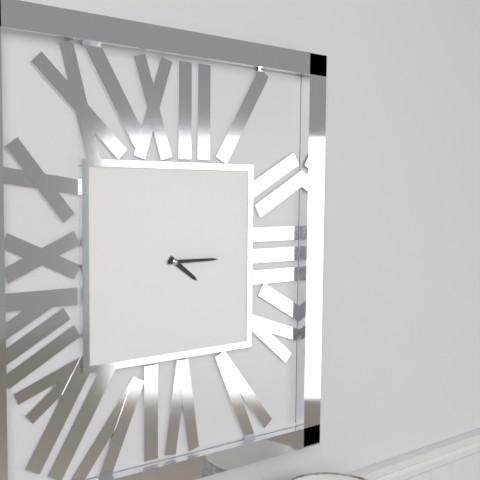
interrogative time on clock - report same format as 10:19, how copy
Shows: 4:15
